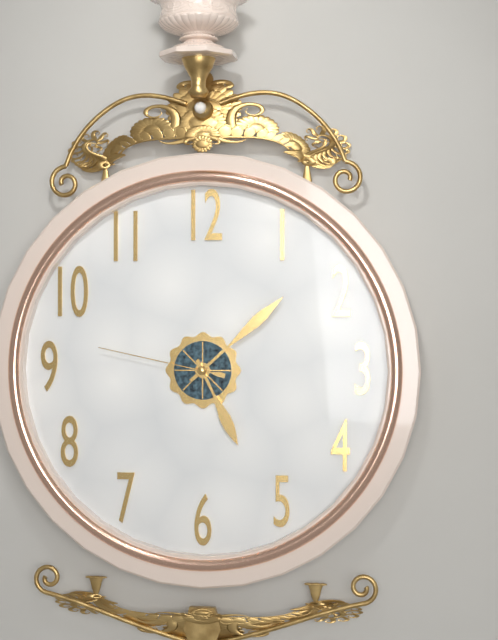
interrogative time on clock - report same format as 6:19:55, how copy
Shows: 5:08:47
